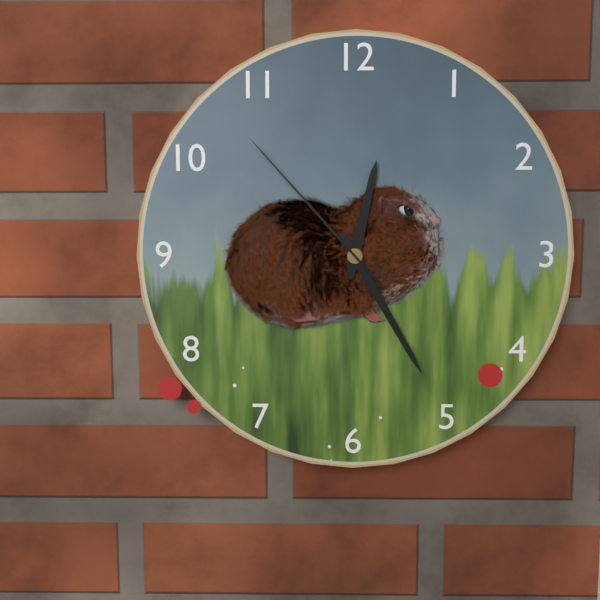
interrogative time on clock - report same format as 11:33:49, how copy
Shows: 12:25:53
